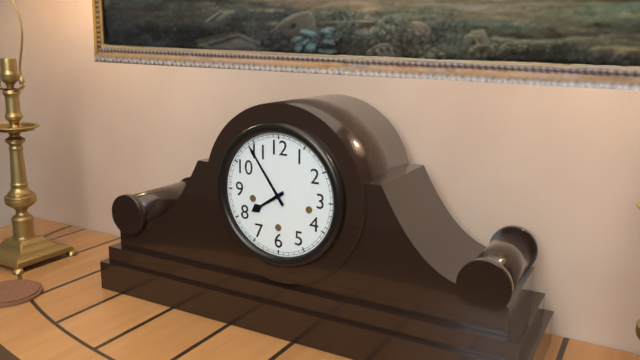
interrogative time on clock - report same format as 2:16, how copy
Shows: 7:54
